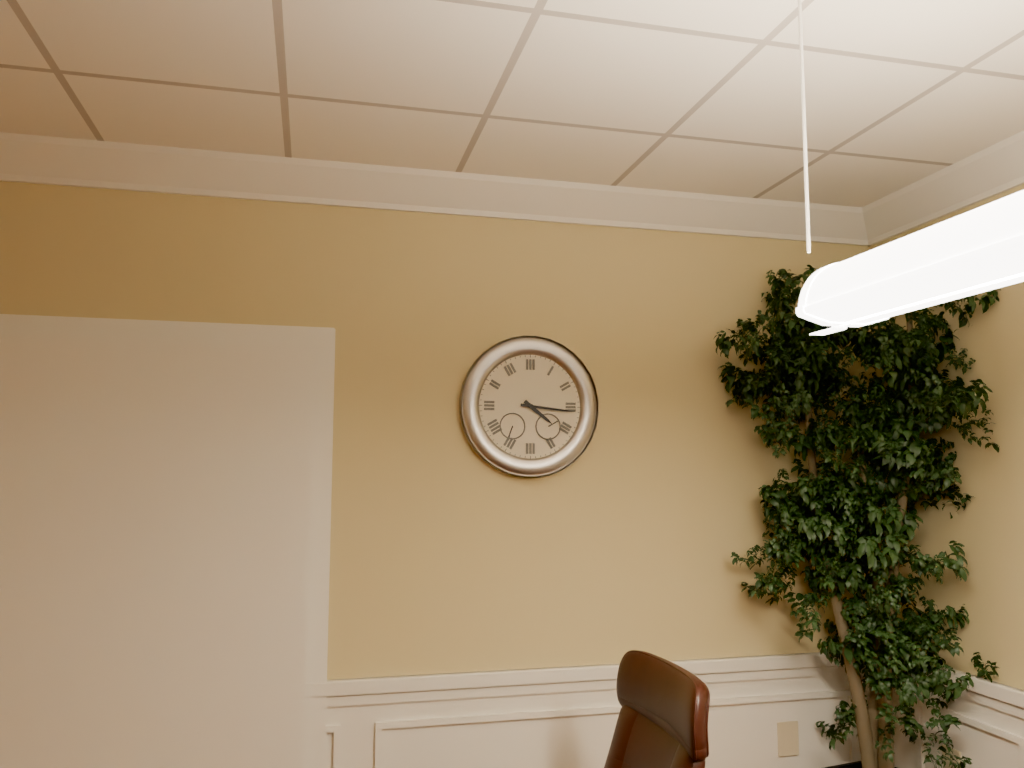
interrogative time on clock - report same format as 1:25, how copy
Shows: 4:16
